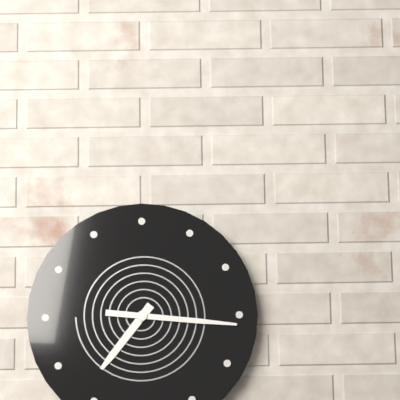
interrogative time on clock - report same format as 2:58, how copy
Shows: 7:16
